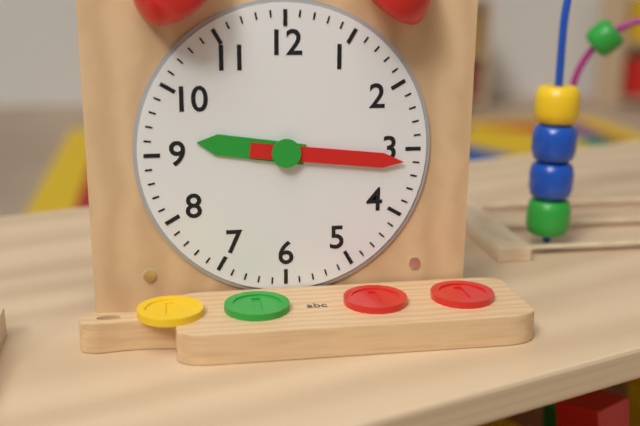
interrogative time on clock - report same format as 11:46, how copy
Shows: 9:16
